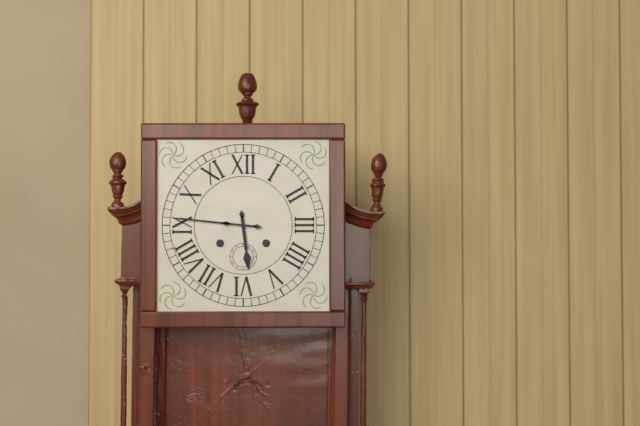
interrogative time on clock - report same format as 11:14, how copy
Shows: 5:46
